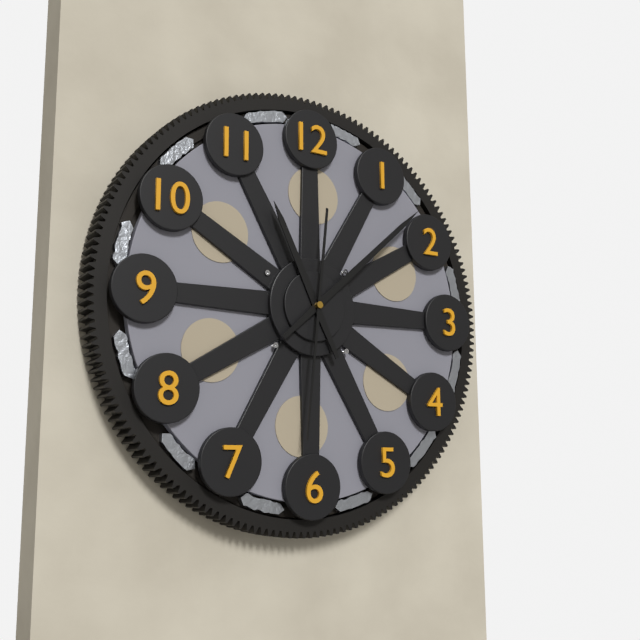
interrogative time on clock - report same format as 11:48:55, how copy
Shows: 11:08:31
